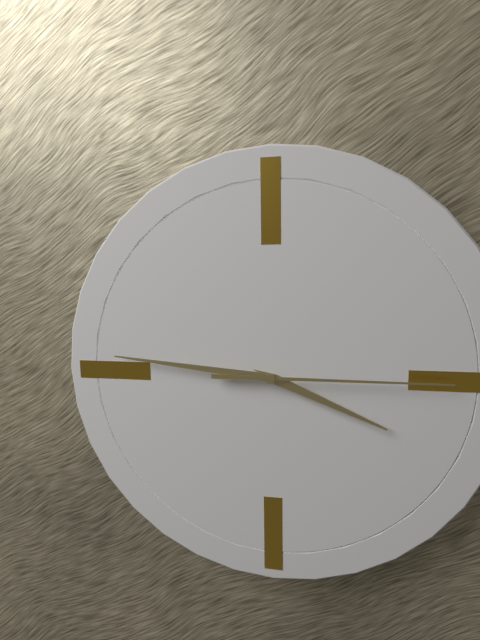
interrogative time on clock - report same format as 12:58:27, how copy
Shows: 3:46:15
